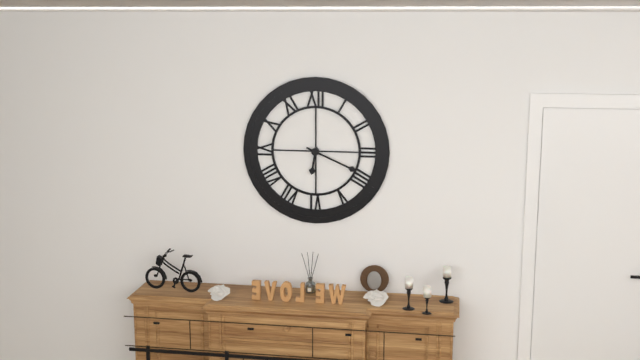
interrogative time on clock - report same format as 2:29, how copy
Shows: 6:19
